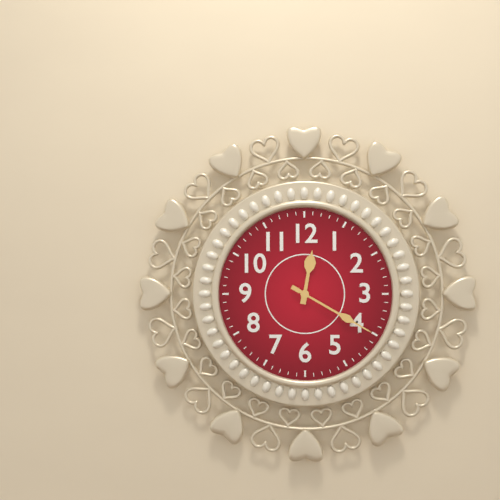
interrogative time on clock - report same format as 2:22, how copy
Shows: 12:20
